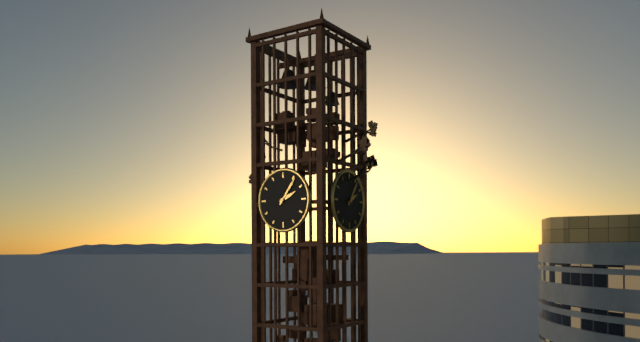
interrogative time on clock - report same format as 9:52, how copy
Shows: 2:06
